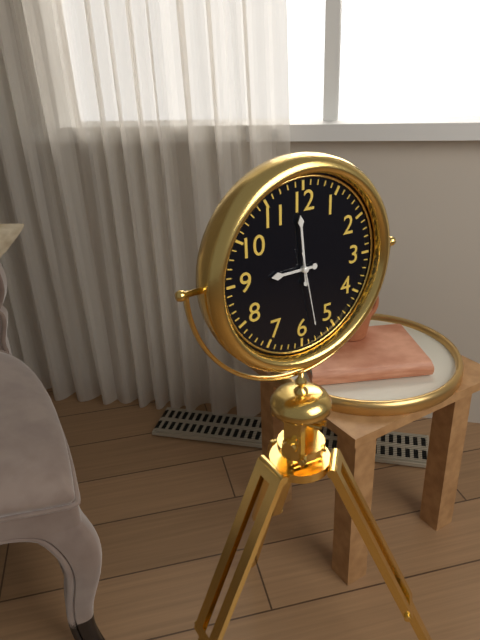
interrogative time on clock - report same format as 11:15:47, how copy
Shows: 8:59:28
